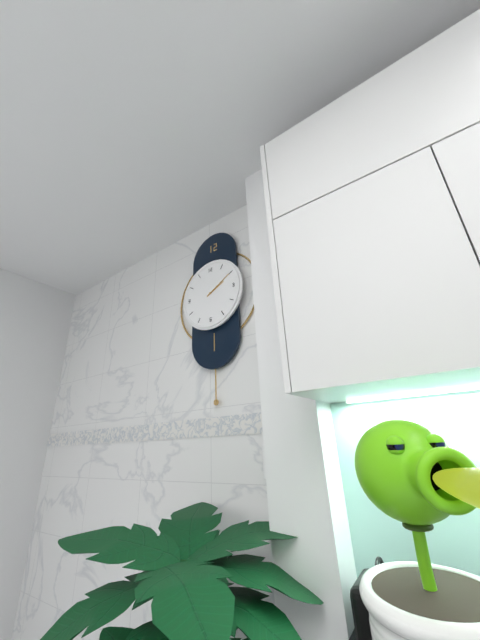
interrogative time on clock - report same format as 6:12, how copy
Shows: 2:10
